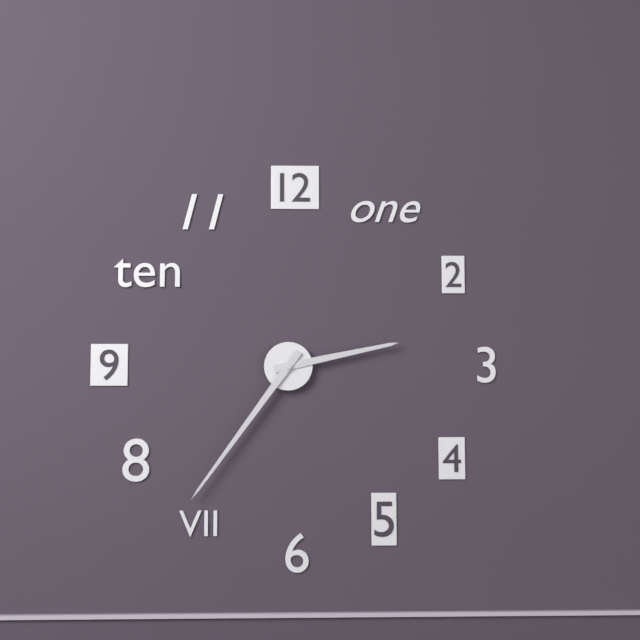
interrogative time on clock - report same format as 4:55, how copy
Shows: 2:36
